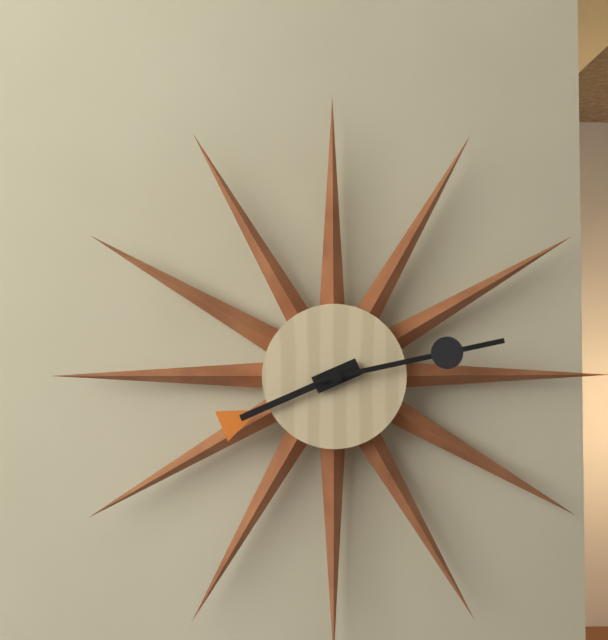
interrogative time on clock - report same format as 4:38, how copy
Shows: 8:13
